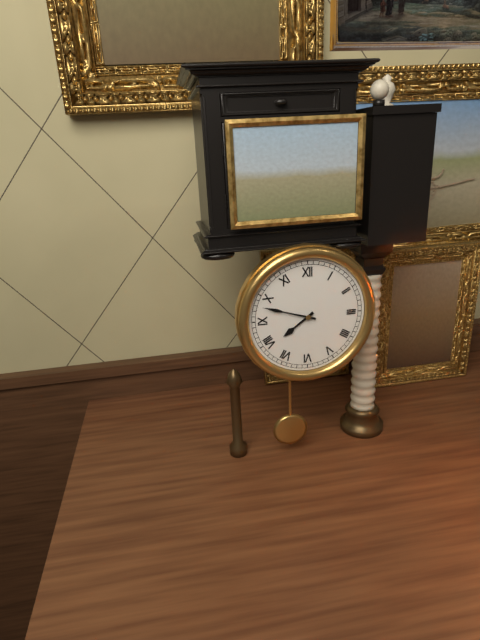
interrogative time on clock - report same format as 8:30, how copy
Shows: 7:48
